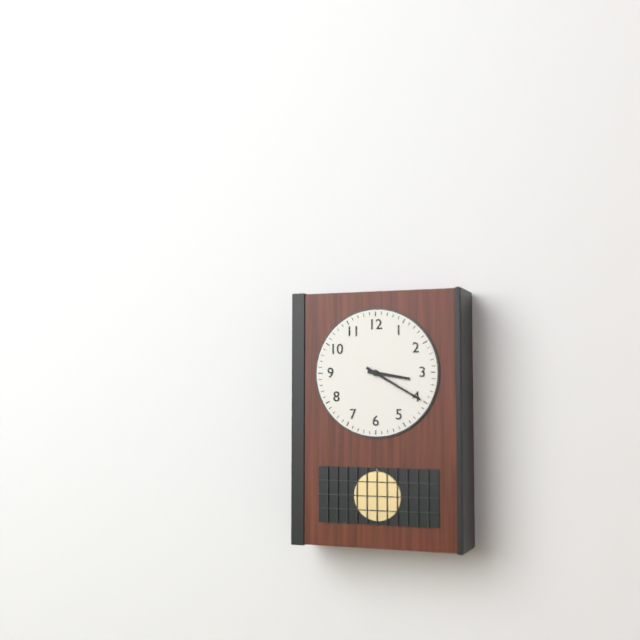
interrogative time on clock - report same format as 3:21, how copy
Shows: 3:20
